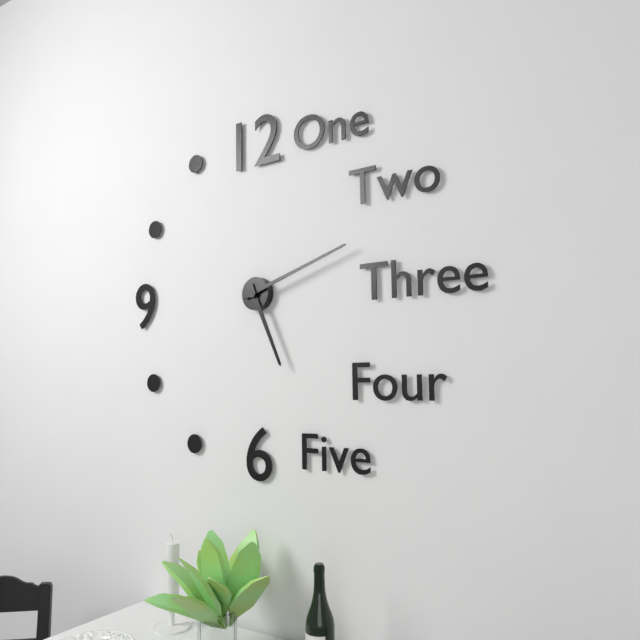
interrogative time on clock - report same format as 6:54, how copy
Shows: 5:12
